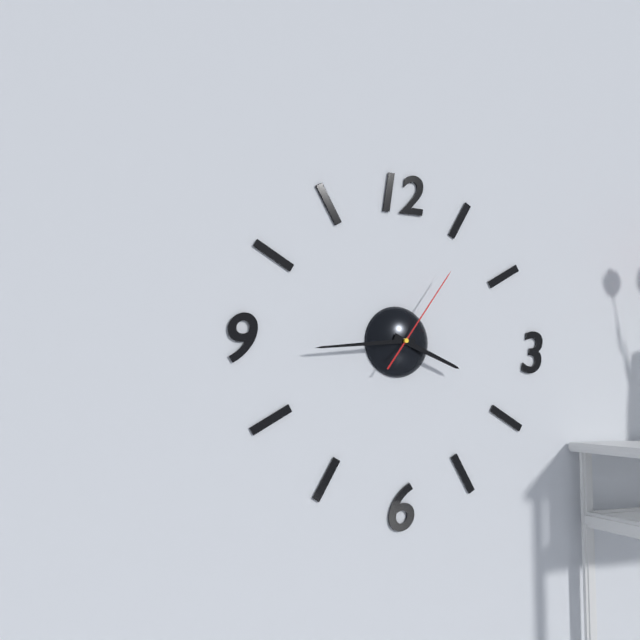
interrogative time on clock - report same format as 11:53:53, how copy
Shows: 3:44:06
